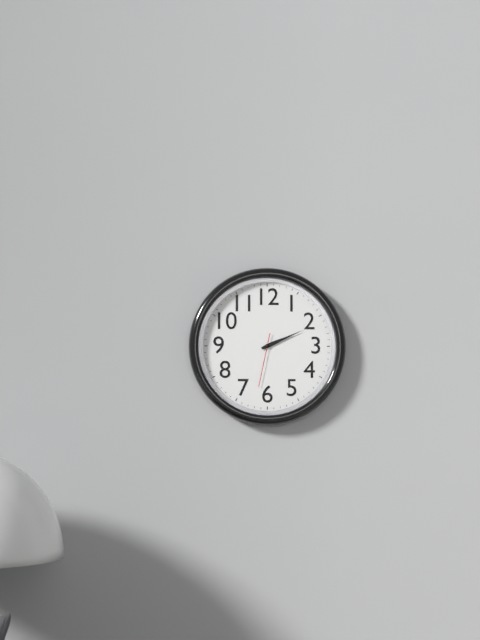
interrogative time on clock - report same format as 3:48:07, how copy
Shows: 2:11:32
